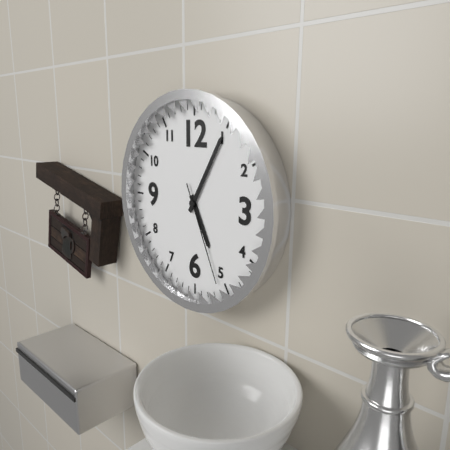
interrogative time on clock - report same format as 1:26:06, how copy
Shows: 5:05:26
